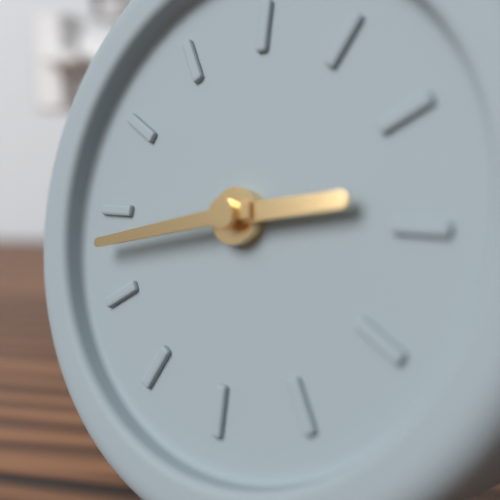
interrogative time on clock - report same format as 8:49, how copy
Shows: 2:43
